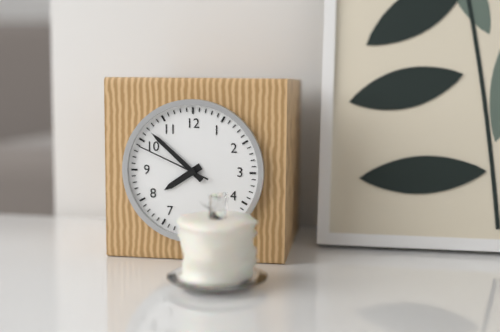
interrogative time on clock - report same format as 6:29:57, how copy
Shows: 7:52:49
